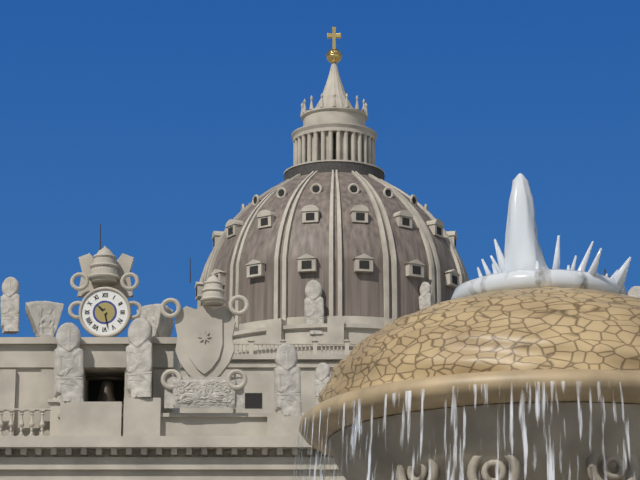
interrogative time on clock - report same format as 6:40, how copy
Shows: 10:28
